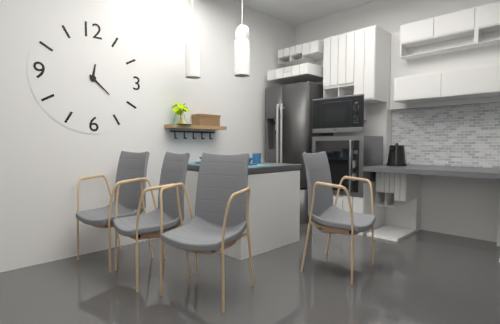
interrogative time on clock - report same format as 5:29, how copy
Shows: 12:22
